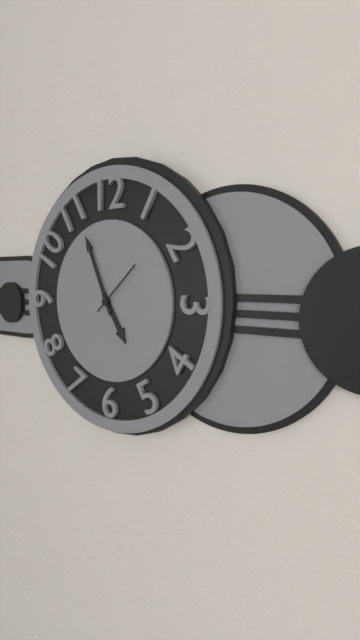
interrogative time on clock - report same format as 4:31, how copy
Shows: 4:56
